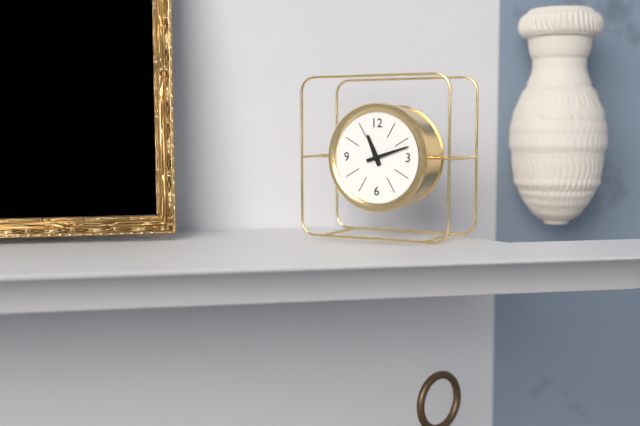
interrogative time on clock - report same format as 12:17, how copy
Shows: 11:12
